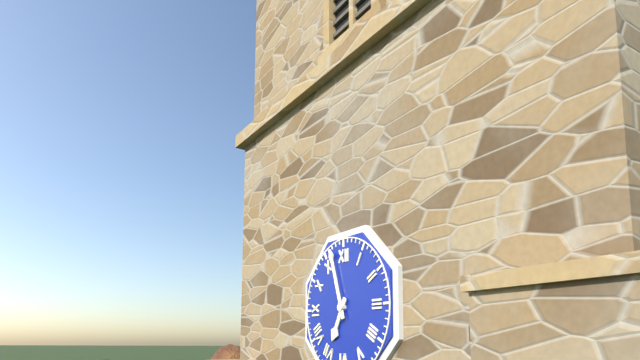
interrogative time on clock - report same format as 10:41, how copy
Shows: 6:57
